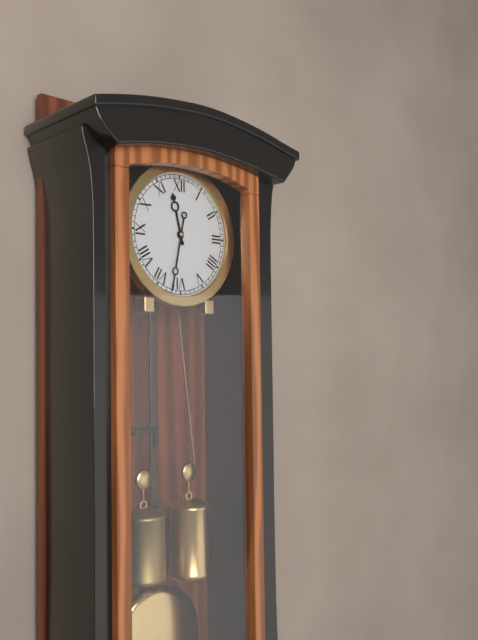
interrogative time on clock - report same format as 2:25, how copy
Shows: 11:32
